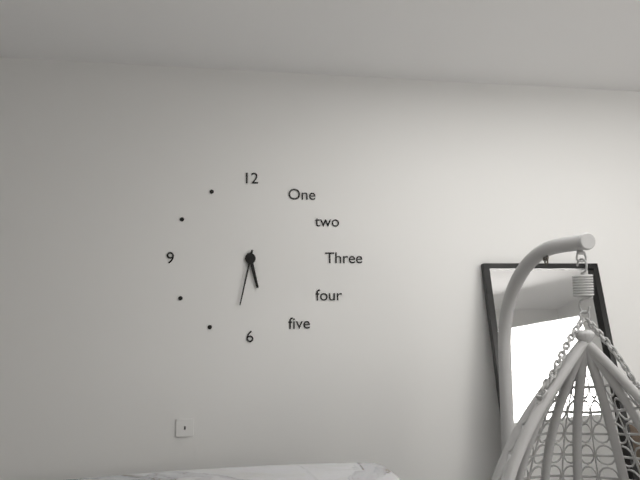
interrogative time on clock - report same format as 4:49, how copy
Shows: 5:32
